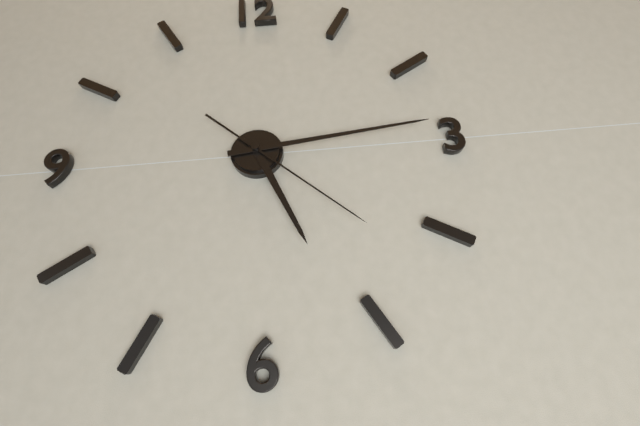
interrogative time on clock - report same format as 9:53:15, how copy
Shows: 5:14:22
